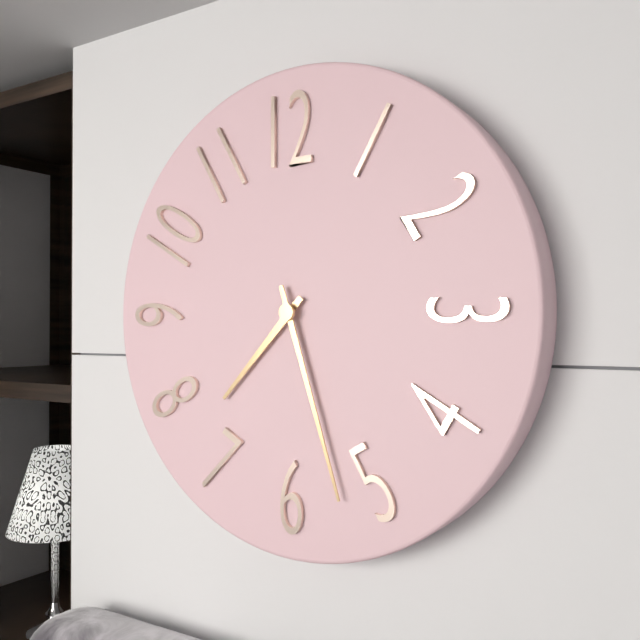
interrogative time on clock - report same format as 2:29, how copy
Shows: 7:27
